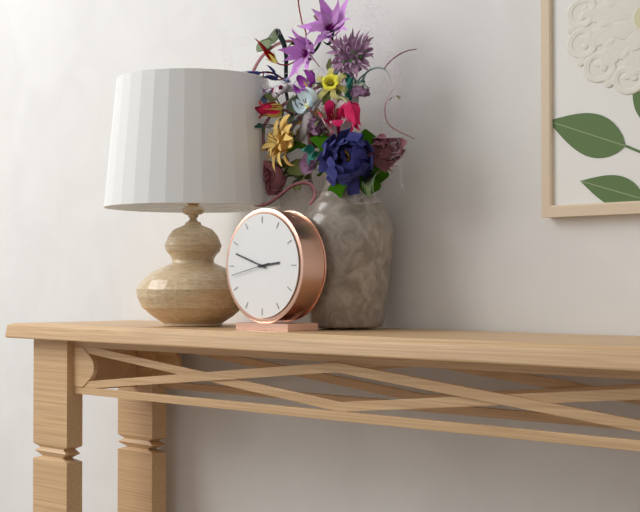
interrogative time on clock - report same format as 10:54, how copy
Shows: 2:48
